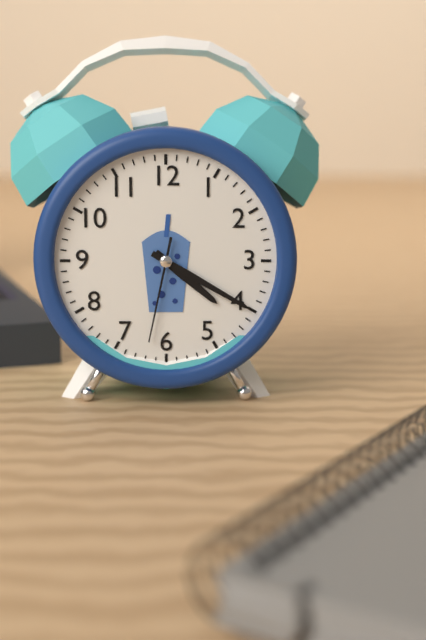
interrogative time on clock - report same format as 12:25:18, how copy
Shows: 4:20:32
